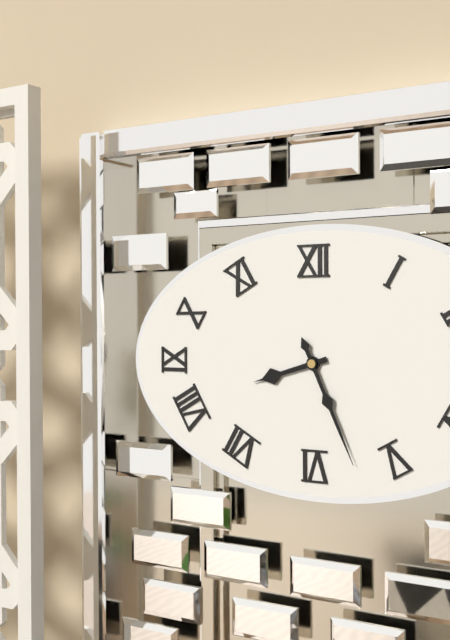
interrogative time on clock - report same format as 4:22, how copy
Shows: 8:26
